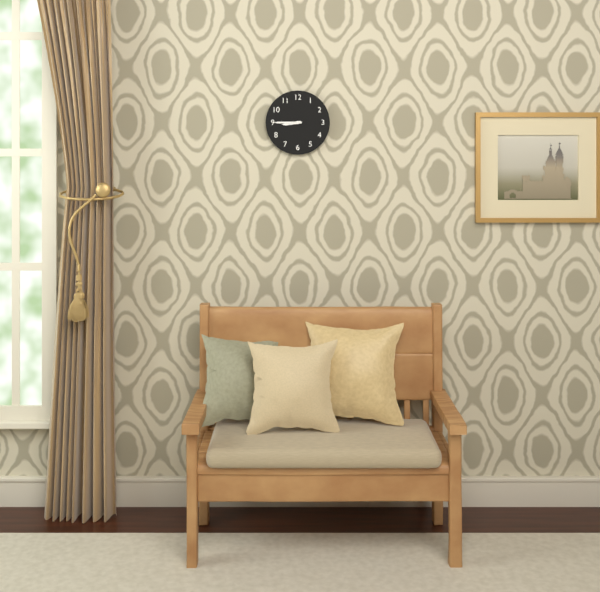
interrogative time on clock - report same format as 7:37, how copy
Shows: 8:45
